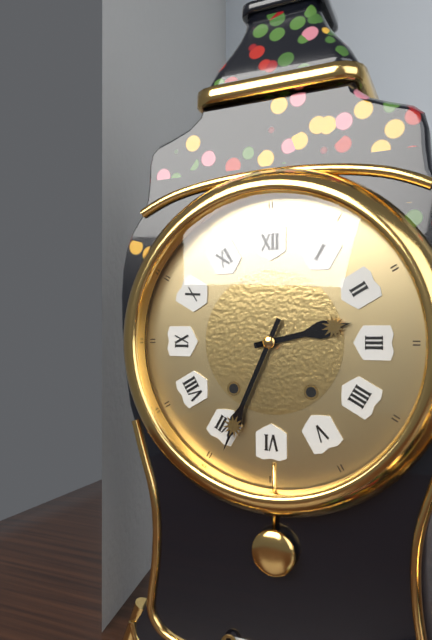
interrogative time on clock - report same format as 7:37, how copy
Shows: 2:34
